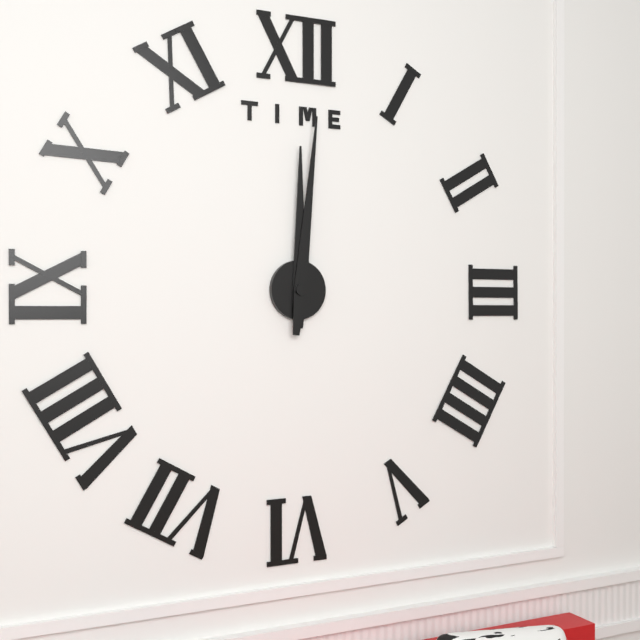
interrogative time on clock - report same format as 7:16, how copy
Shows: 12:01
